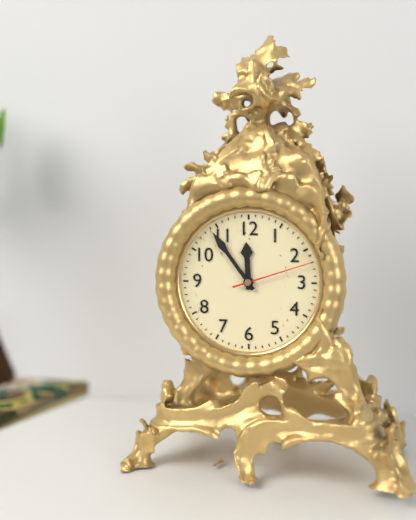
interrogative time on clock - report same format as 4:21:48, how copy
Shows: 11:54:12
